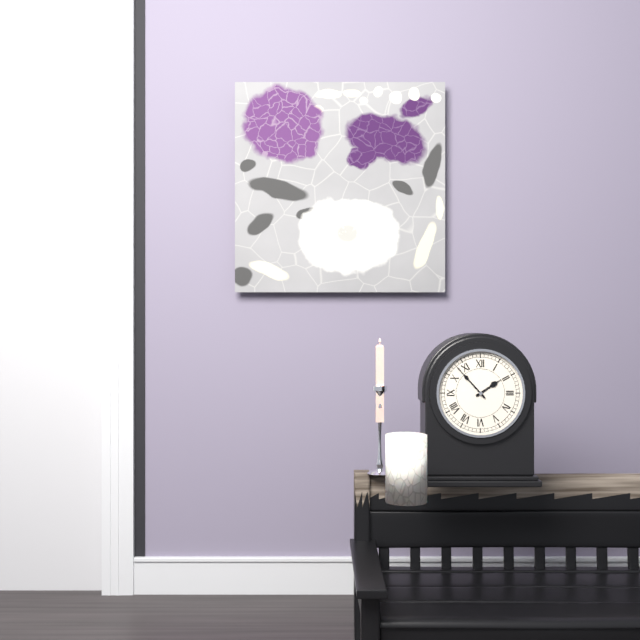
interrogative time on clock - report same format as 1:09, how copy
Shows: 1:53
